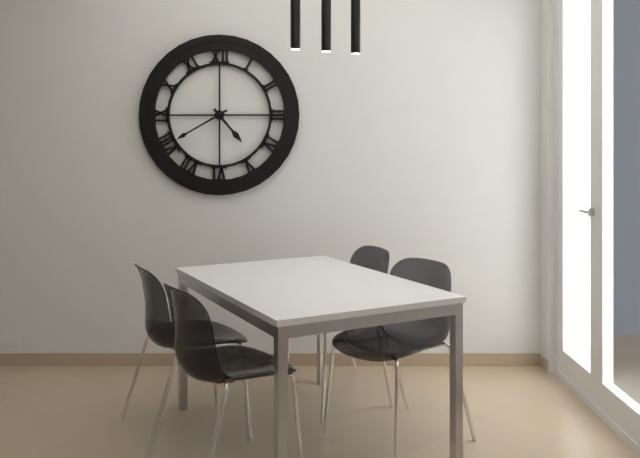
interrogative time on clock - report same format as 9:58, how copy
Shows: 4:40
